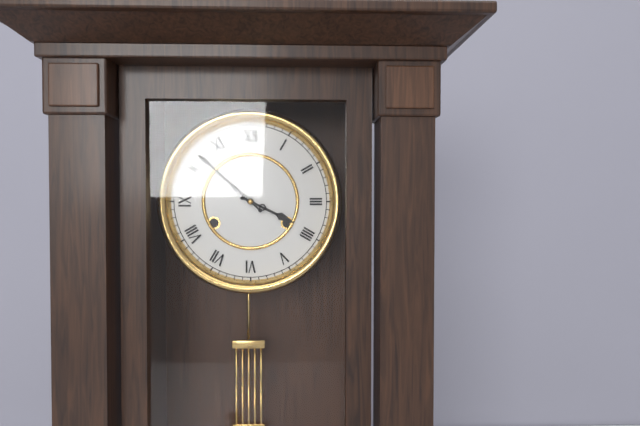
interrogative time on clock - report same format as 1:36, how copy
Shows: 3:52
